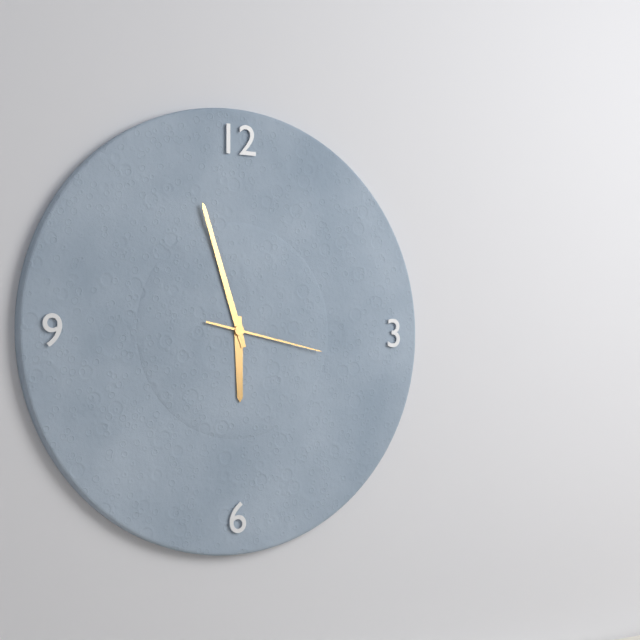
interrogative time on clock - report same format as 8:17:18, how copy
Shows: 5:57:17
